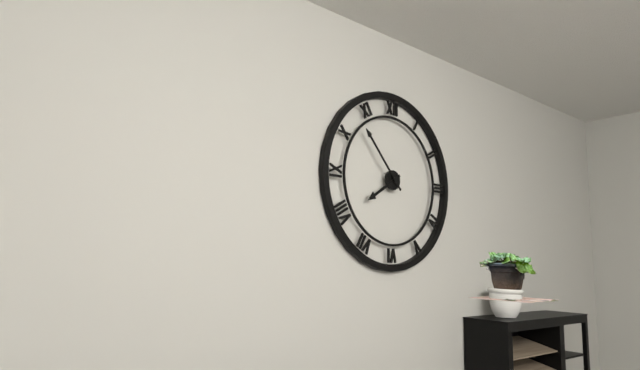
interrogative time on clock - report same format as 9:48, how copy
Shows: 7:53
